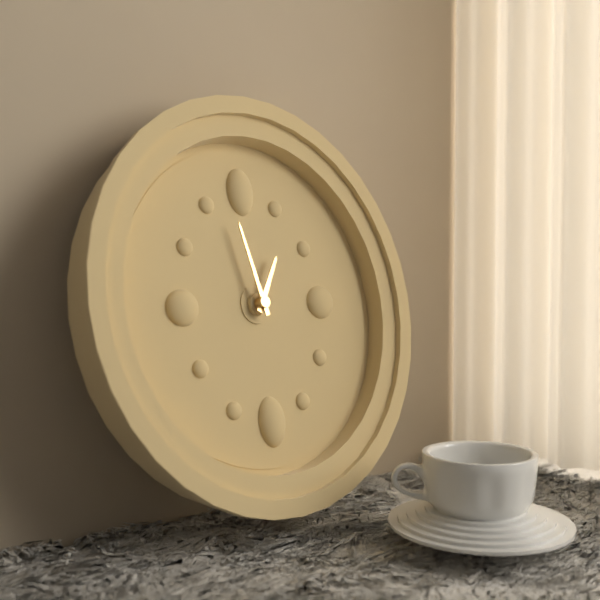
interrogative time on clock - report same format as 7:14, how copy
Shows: 12:58
